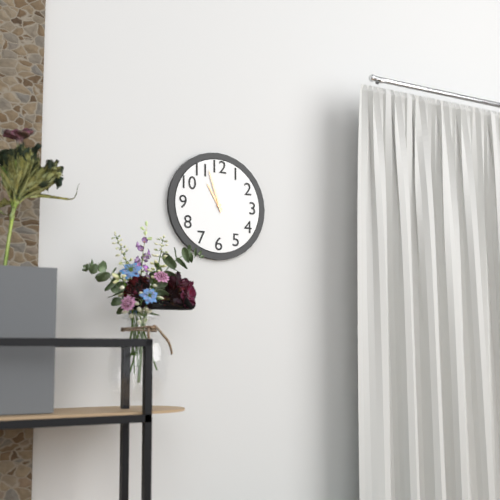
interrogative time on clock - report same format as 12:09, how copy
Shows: 10:57
